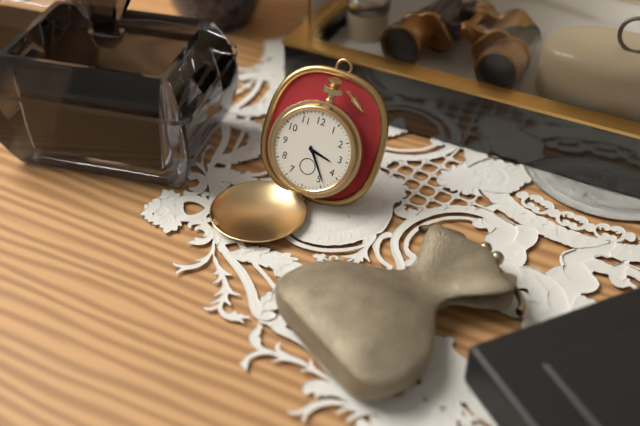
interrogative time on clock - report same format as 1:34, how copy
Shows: 3:24
